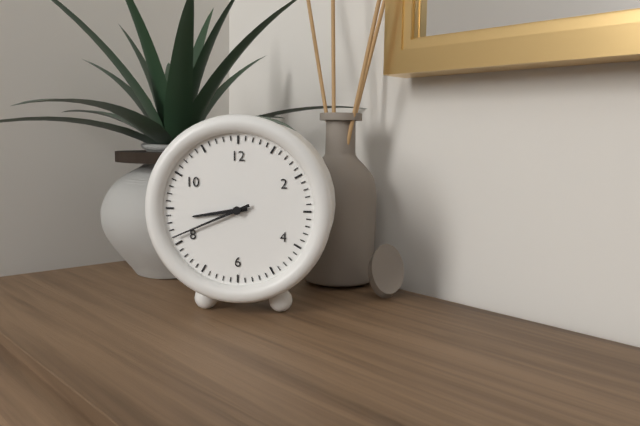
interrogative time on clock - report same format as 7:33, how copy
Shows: 8:41
